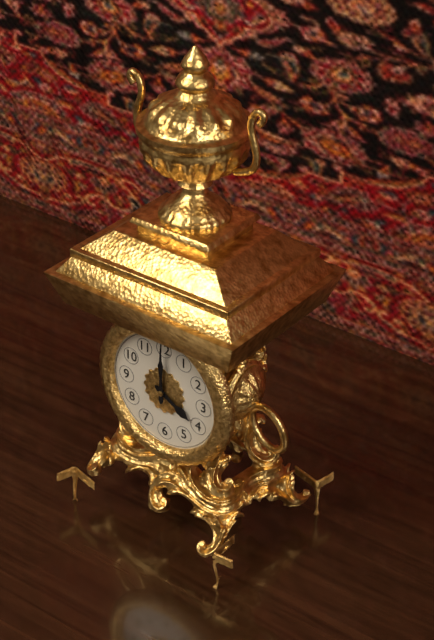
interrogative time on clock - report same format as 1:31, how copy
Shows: 4:00
